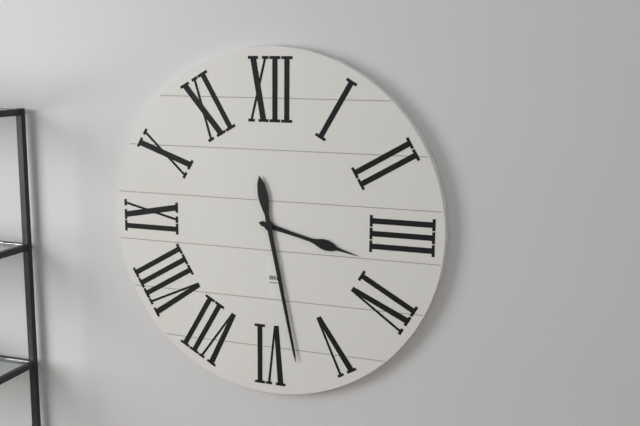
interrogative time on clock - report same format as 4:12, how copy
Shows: 3:28
